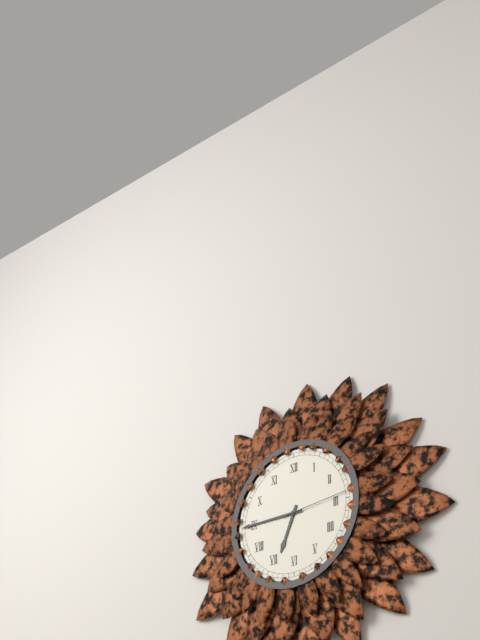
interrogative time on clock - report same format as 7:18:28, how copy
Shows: 6:45:14
